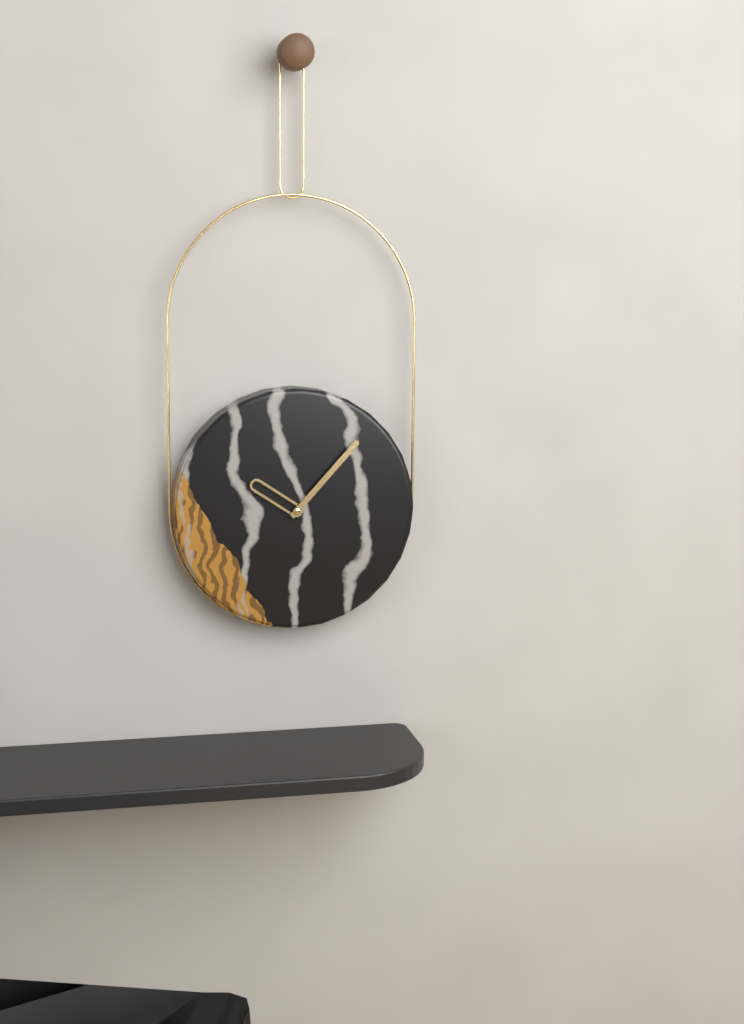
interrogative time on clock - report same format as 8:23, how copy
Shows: 10:07
